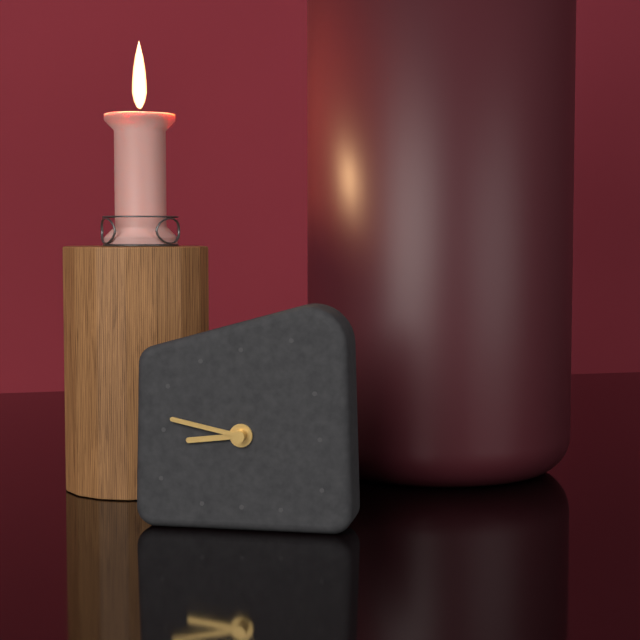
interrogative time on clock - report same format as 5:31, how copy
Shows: 8:47
